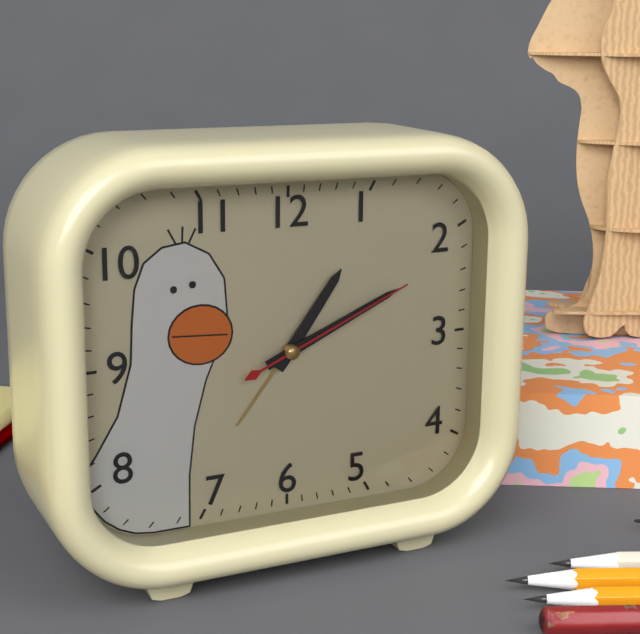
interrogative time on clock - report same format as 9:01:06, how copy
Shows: 1:11:11
